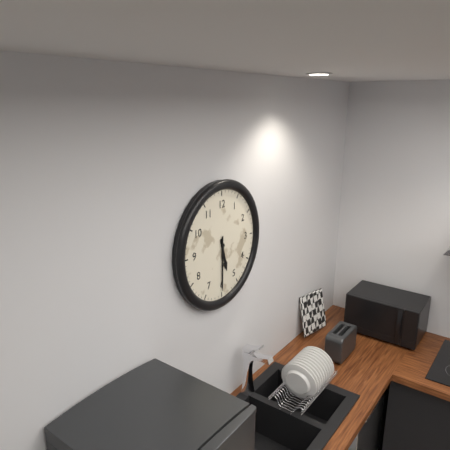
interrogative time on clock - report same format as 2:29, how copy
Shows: 5:30
